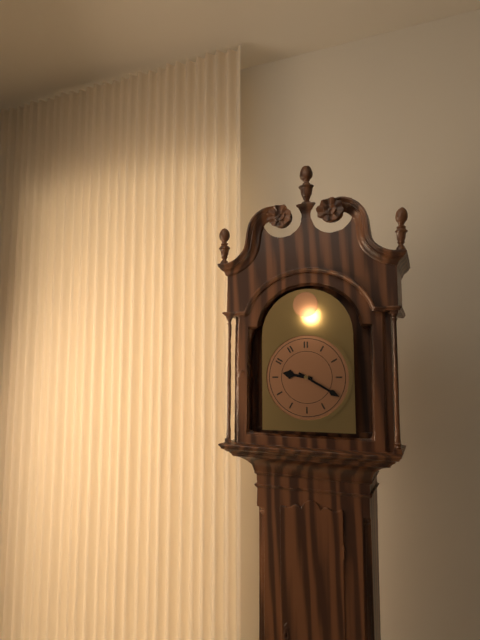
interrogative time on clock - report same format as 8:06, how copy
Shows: 9:20
